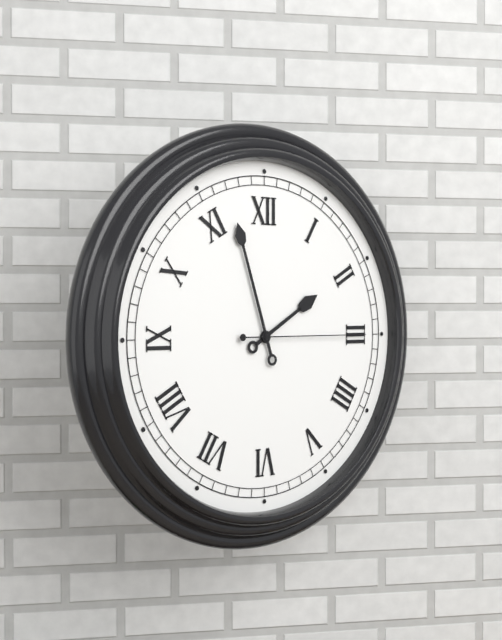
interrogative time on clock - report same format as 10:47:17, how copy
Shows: 1:57:15
